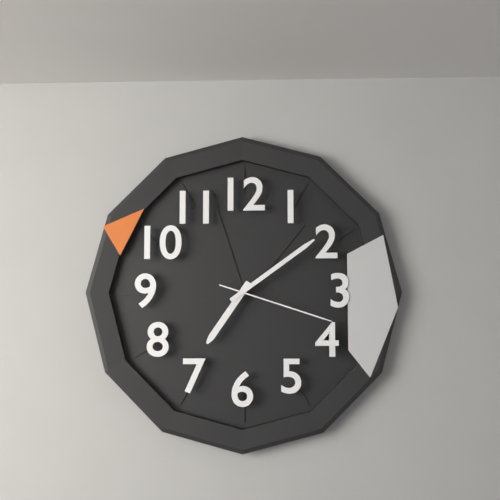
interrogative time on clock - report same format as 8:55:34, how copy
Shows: 7:09:18
